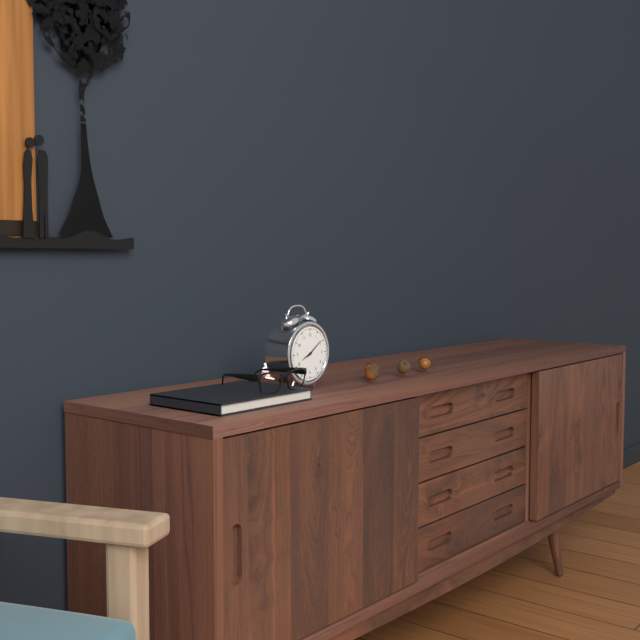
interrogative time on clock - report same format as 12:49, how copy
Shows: 8:09
